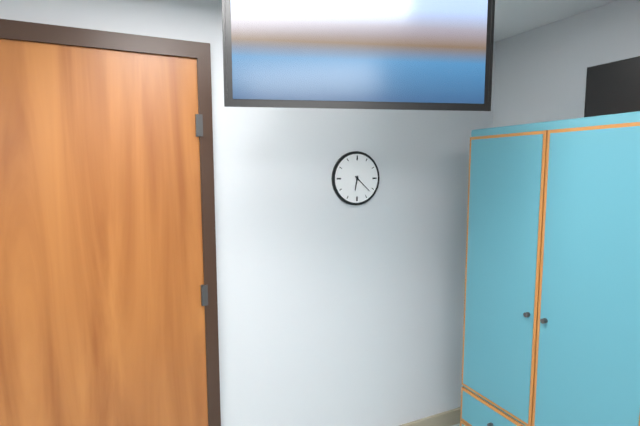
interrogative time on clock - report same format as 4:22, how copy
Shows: 6:22
